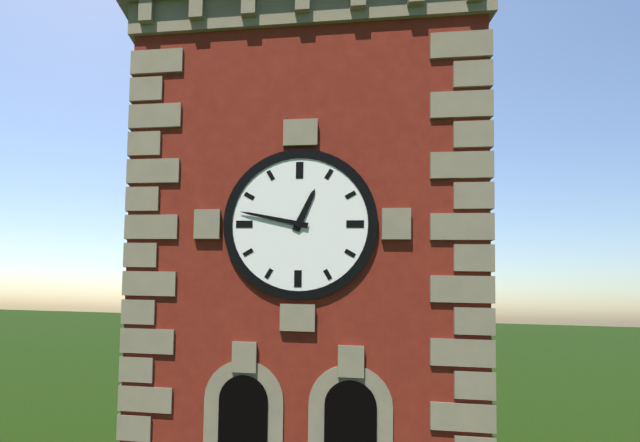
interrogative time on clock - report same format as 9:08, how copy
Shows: 12:47
